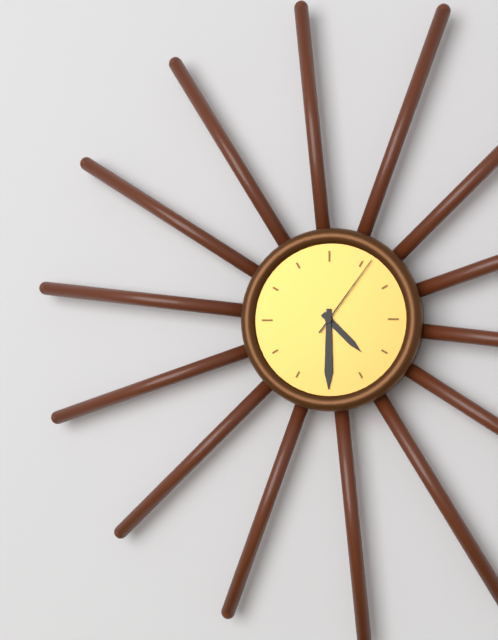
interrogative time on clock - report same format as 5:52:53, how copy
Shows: 4:30:06
